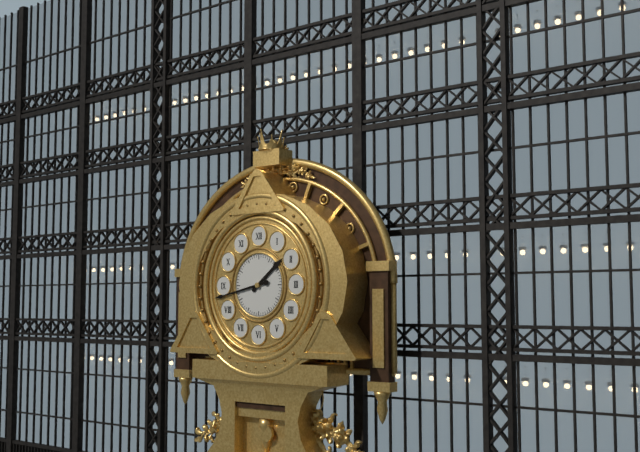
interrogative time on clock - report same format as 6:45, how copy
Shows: 1:43
